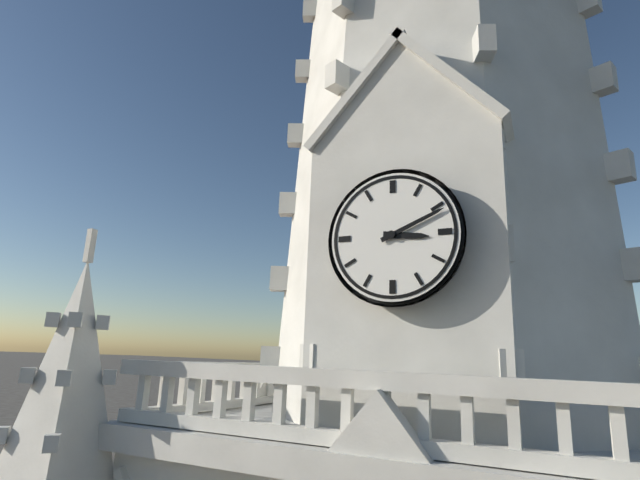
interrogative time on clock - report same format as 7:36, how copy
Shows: 3:11
